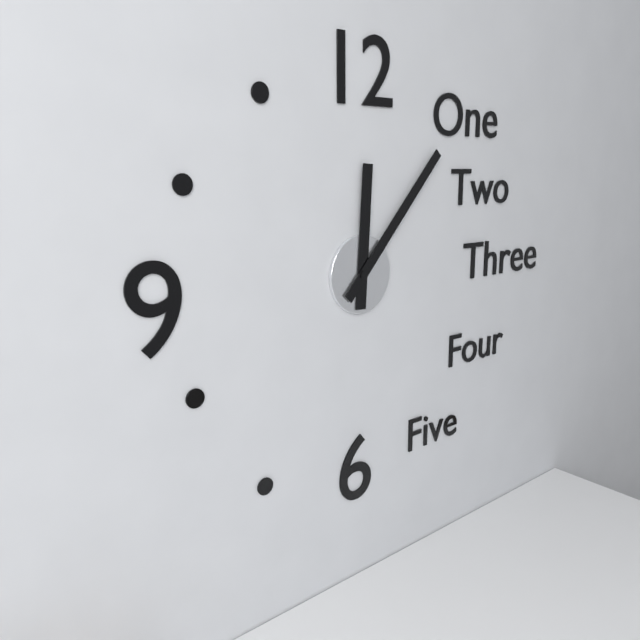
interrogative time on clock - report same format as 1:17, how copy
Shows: 12:07
